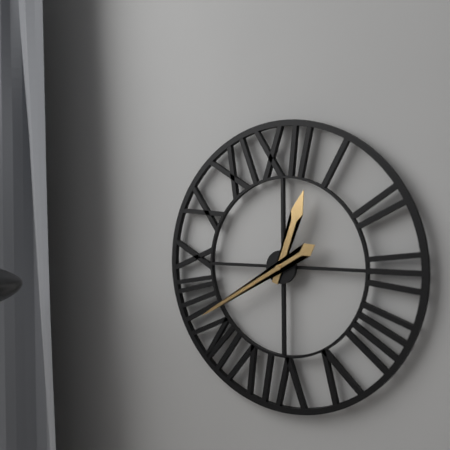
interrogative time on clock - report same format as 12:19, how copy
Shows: 12:40
